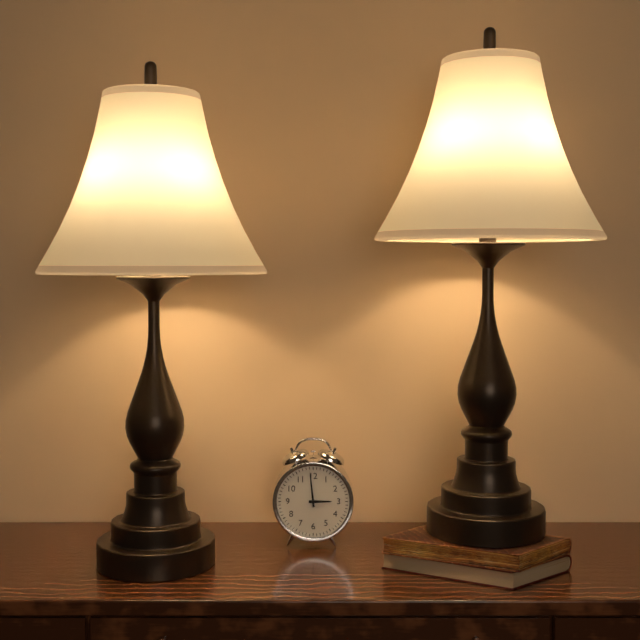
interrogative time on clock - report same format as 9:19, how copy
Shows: 2:59
